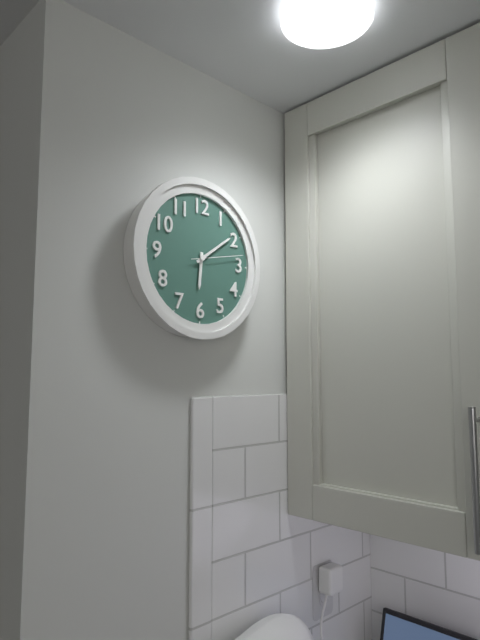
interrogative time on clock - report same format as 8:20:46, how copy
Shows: 6:09:13
